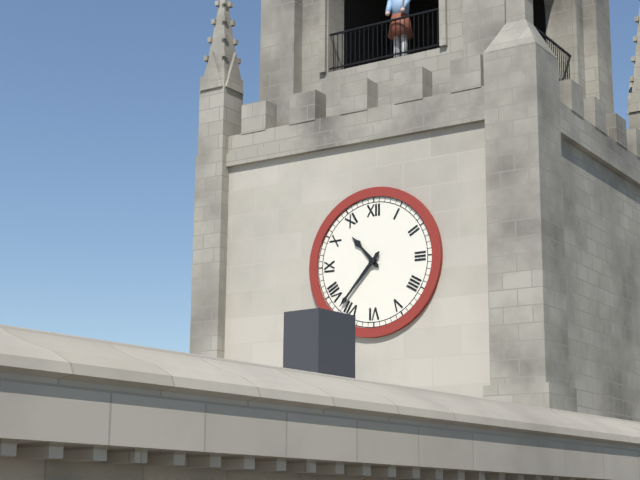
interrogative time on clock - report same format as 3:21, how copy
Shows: 10:37
